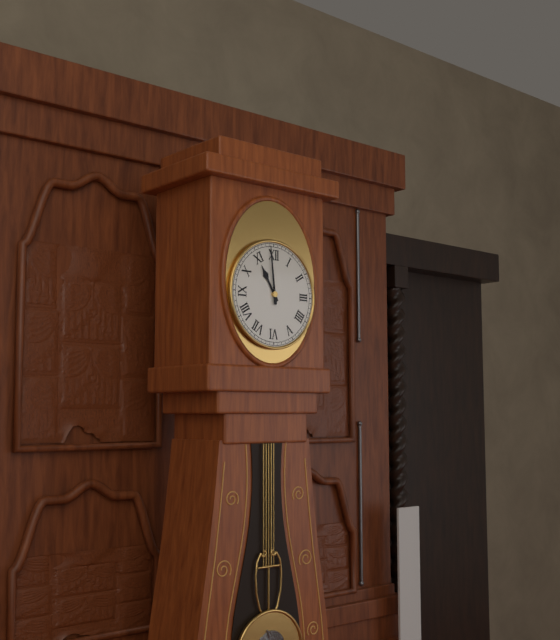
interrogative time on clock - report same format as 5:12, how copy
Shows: 10:59
